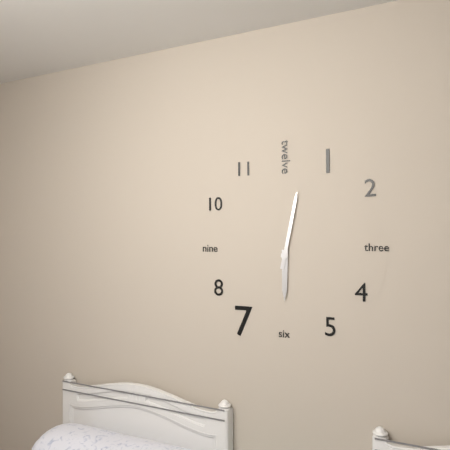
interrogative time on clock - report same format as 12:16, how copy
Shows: 6:02
